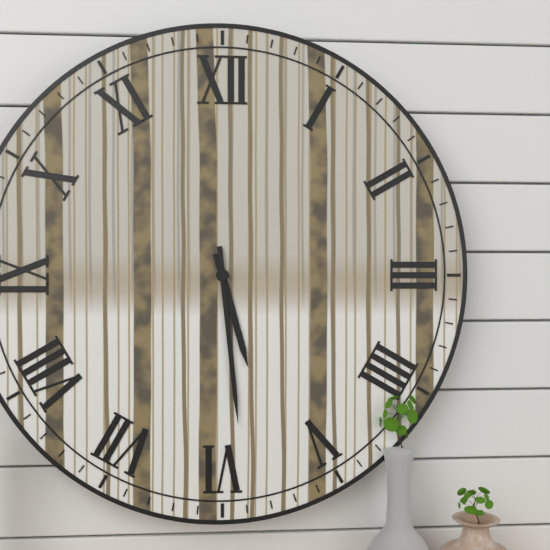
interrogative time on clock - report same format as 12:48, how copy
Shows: 5:29
